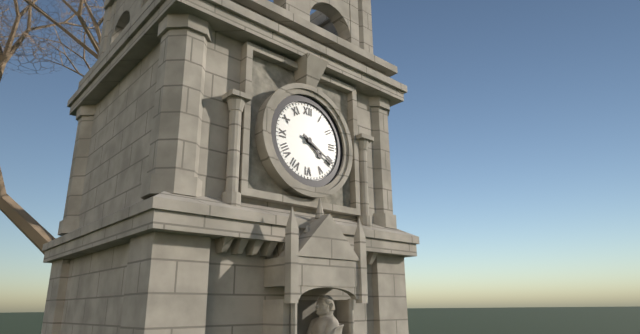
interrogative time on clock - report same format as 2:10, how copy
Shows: 4:20
